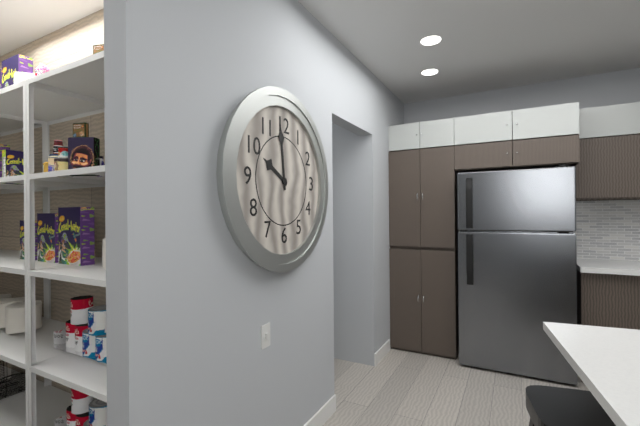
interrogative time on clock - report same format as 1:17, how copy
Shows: 9:59
